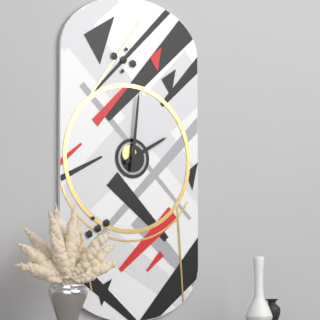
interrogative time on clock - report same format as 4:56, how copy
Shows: 2:01
